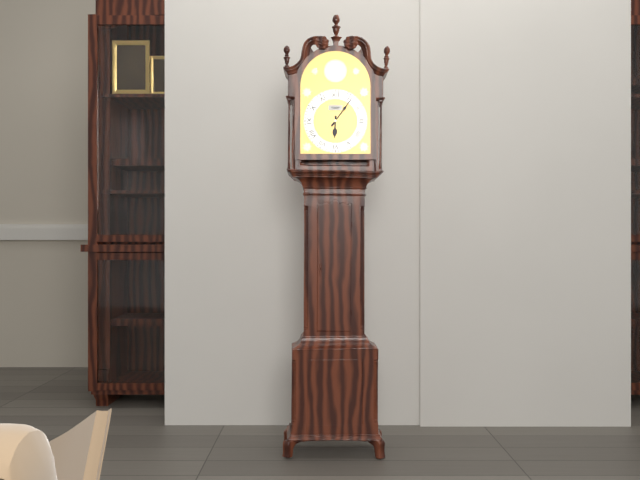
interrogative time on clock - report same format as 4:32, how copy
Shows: 6:06
